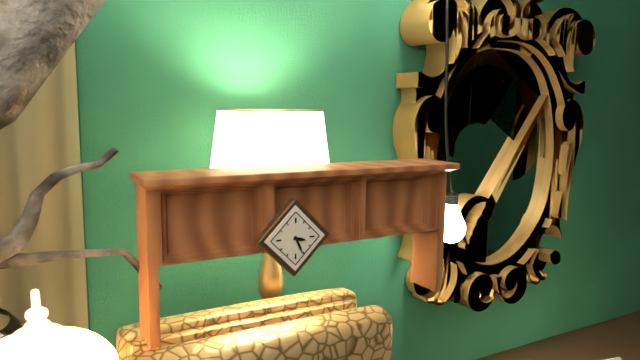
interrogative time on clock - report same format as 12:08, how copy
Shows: 3:26
